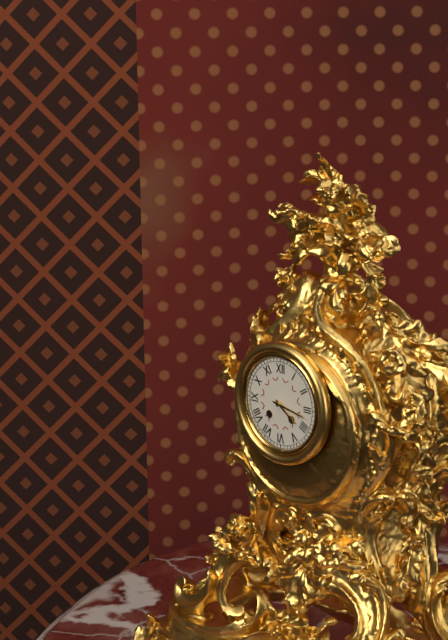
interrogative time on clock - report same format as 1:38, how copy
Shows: 4:17
